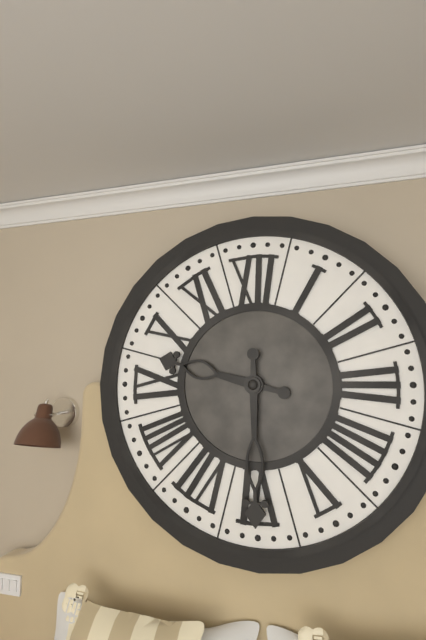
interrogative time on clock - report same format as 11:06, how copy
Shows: 9:30
